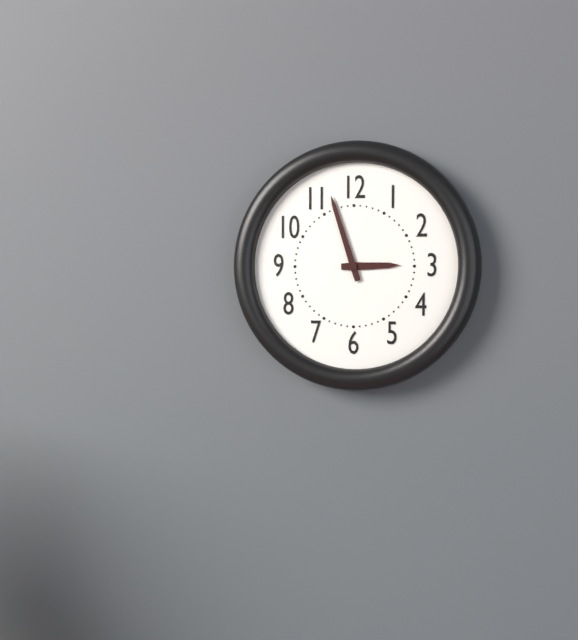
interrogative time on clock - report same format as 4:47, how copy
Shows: 2:57
